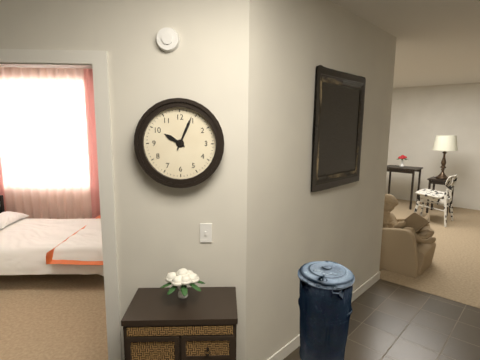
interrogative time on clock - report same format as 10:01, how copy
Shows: 10:04
